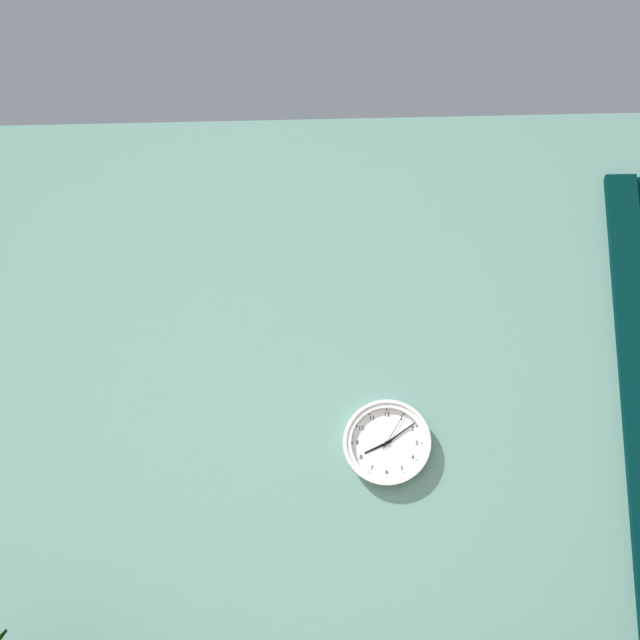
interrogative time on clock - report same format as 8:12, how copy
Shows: 8:09
